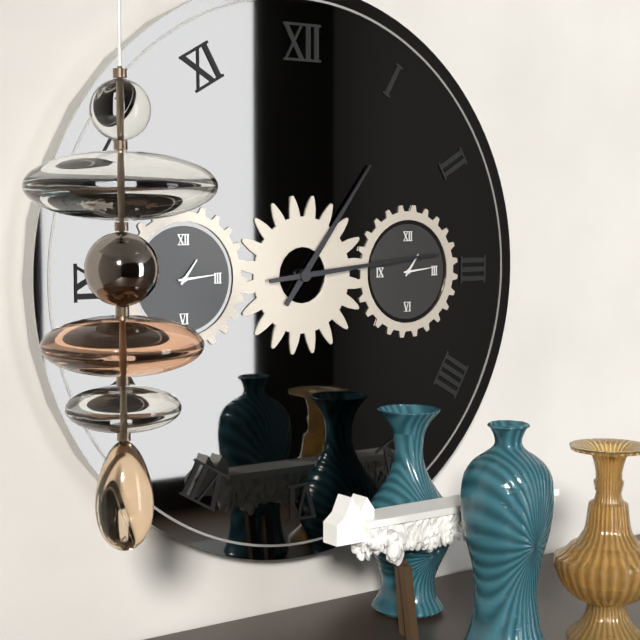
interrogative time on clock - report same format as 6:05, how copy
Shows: 1:14
